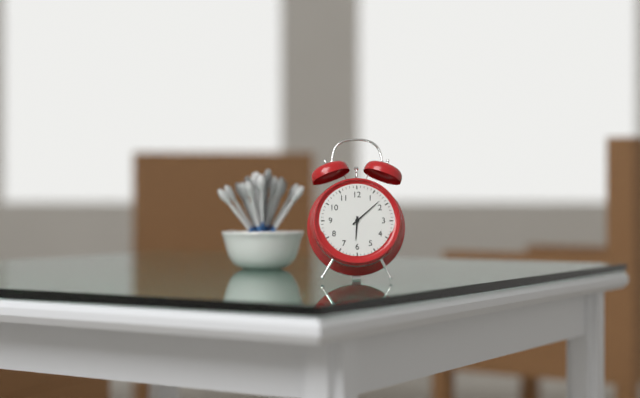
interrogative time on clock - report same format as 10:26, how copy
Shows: 6:08
